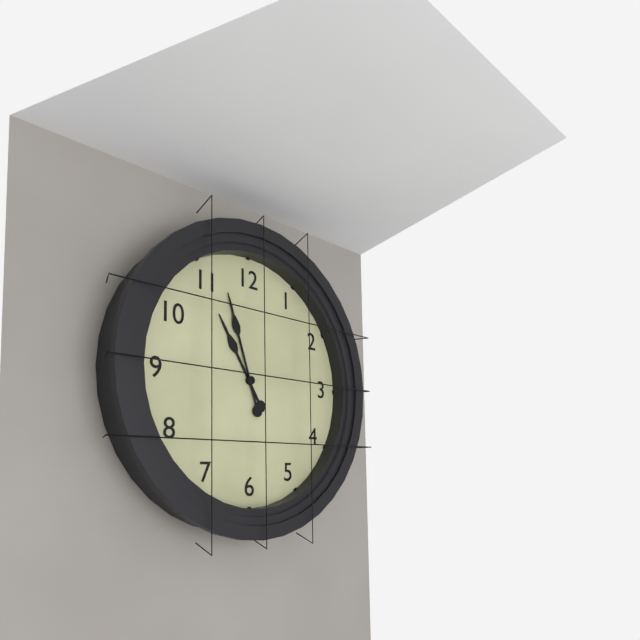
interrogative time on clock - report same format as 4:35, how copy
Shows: 10:57
